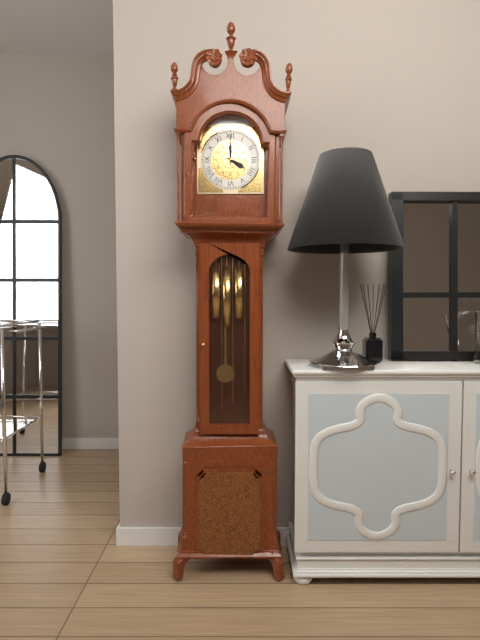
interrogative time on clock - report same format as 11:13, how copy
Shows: 4:00
